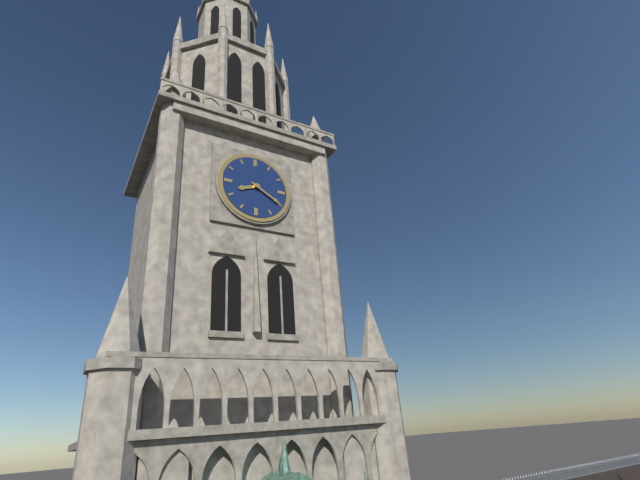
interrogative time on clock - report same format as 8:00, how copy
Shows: 8:20
